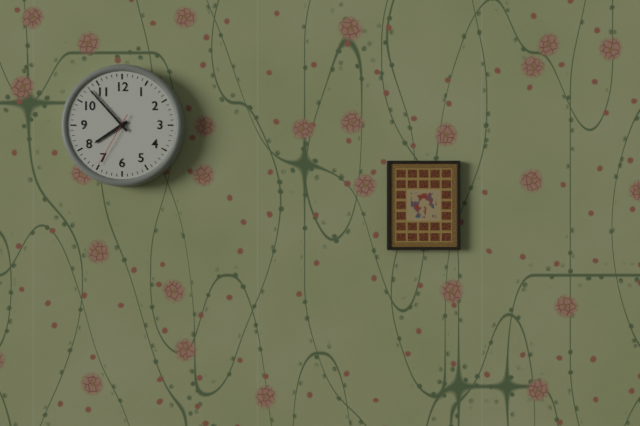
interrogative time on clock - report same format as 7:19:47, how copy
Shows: 7:53:35
